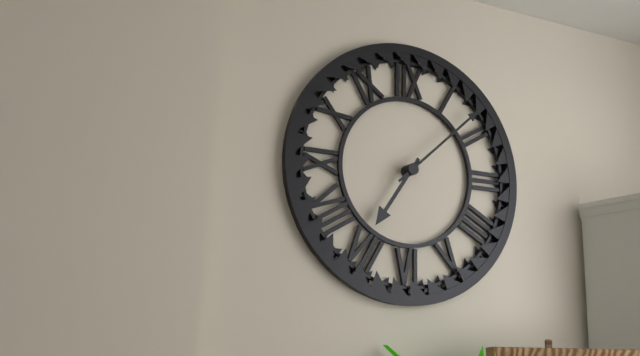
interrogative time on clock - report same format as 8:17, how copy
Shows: 7:08
